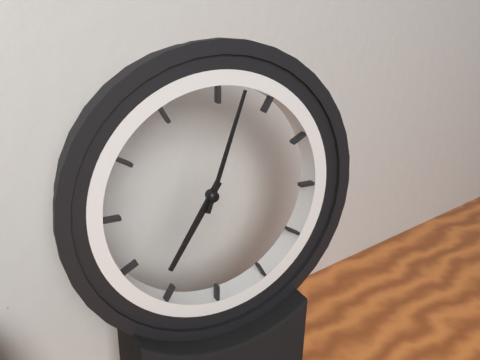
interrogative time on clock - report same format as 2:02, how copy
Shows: 7:03
